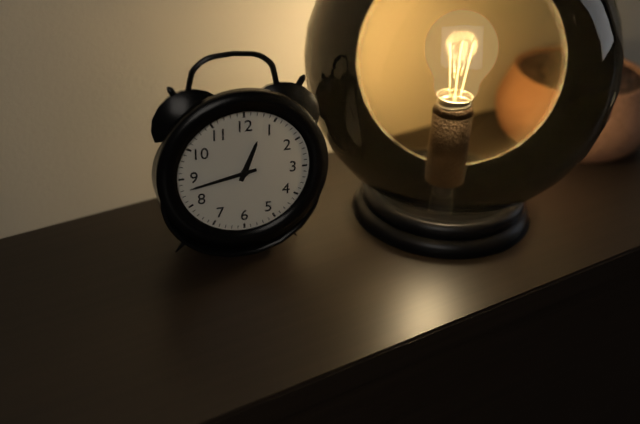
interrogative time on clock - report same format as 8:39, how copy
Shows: 12:43
